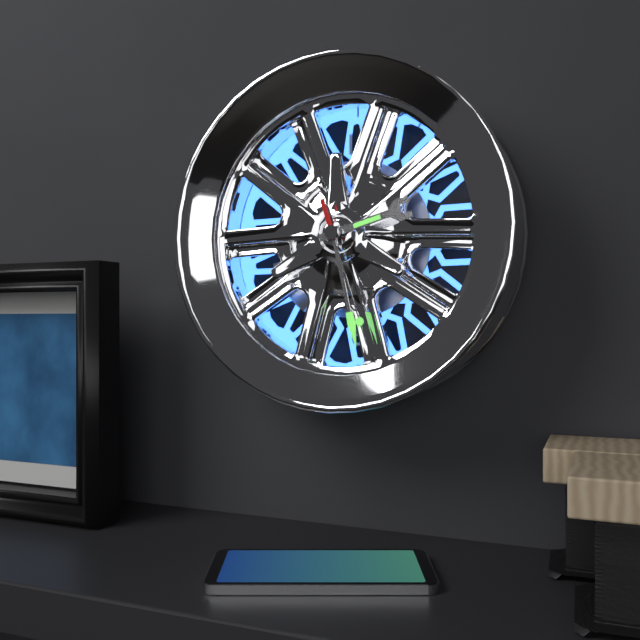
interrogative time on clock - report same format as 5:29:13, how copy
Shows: 2:28:27
